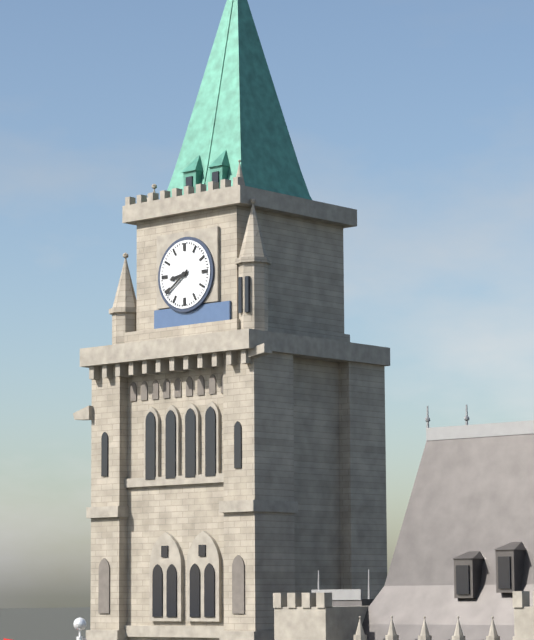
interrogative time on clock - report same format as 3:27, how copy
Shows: 8:39
